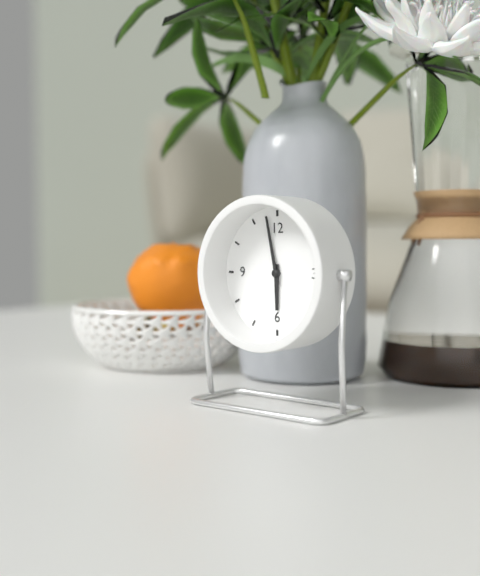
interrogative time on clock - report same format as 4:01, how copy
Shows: 5:58
